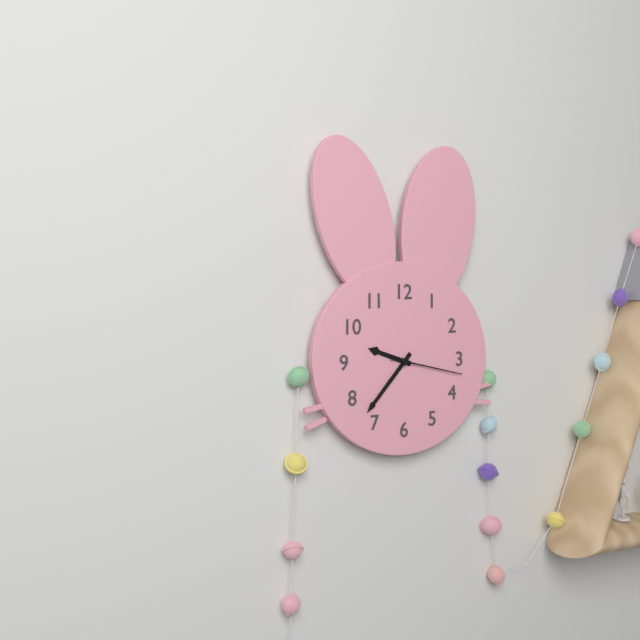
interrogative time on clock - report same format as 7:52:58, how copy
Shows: 9:37:17
